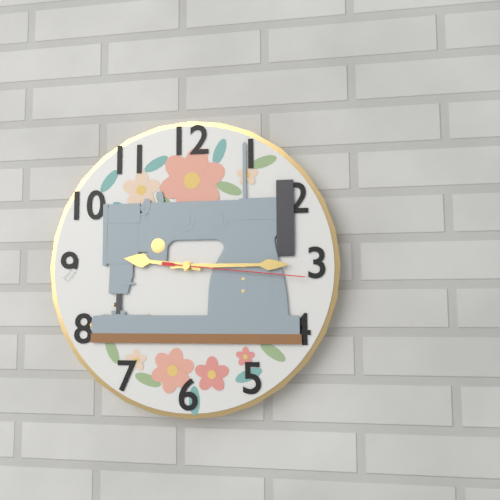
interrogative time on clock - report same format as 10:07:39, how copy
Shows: 9:15:16
